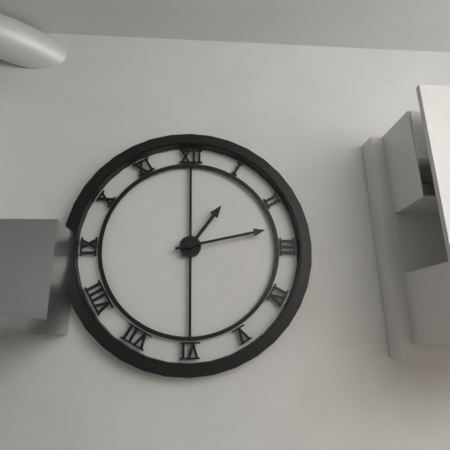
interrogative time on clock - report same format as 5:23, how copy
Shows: 1:13
